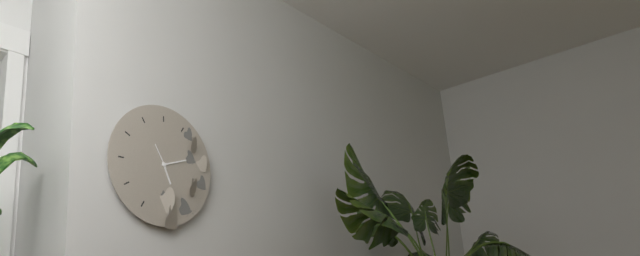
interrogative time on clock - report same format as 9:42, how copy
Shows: 5:12
